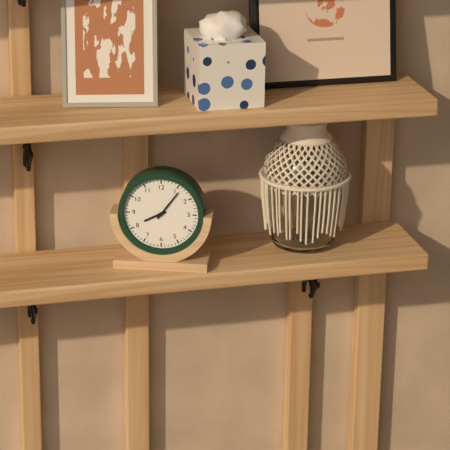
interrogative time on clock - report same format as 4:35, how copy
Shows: 8:06
